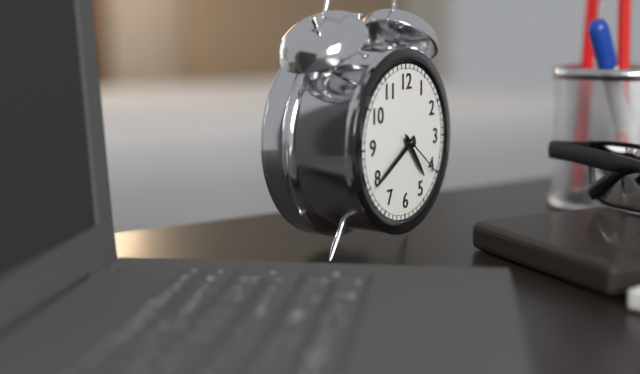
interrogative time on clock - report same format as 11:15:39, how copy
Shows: 4:40:21
